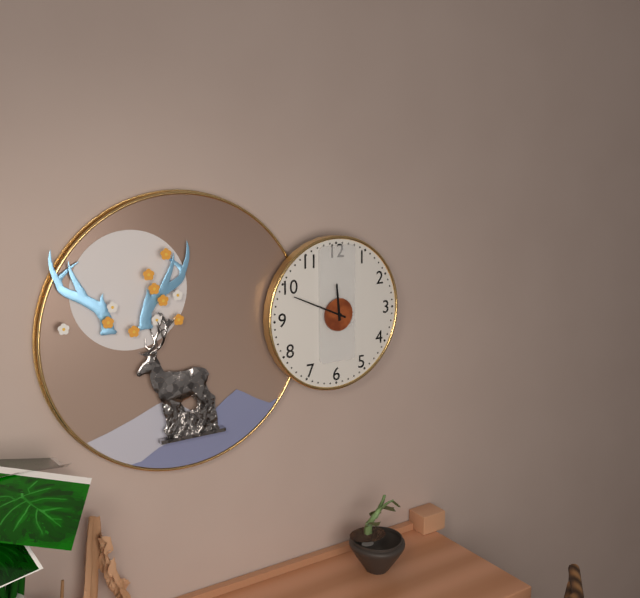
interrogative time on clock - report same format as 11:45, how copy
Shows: 11:49
